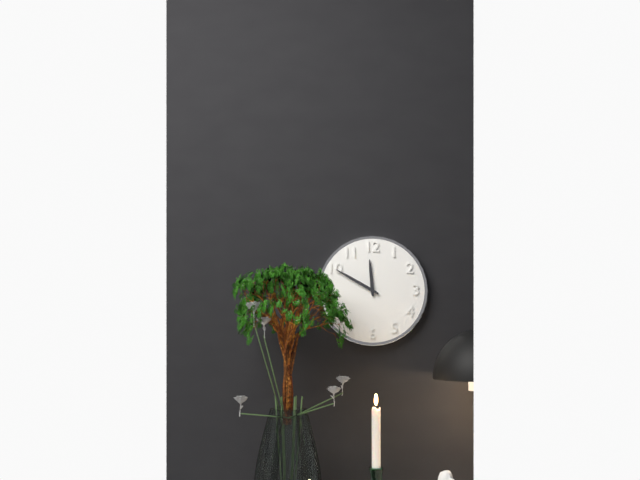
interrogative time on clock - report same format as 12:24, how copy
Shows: 11:50
